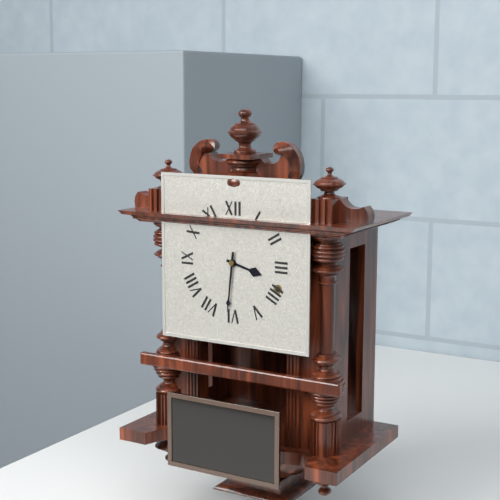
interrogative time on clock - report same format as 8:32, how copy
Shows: 3:31
